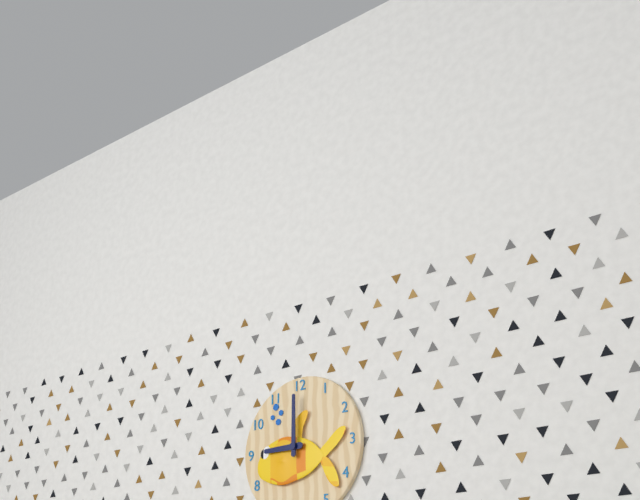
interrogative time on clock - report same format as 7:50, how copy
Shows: 9:00
